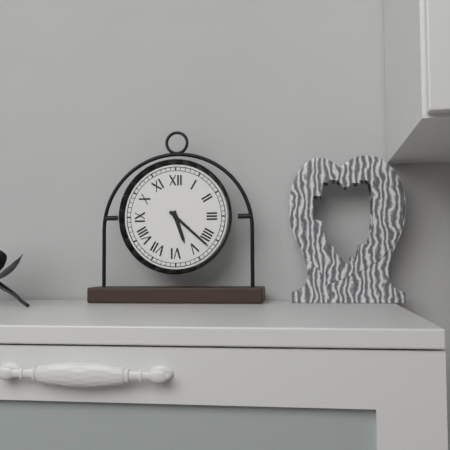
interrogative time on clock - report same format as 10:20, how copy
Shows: 5:22
